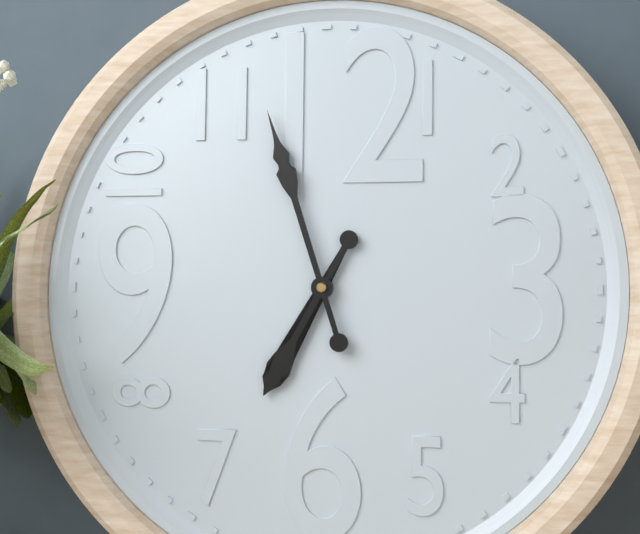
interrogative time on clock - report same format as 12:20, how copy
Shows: 6:57
